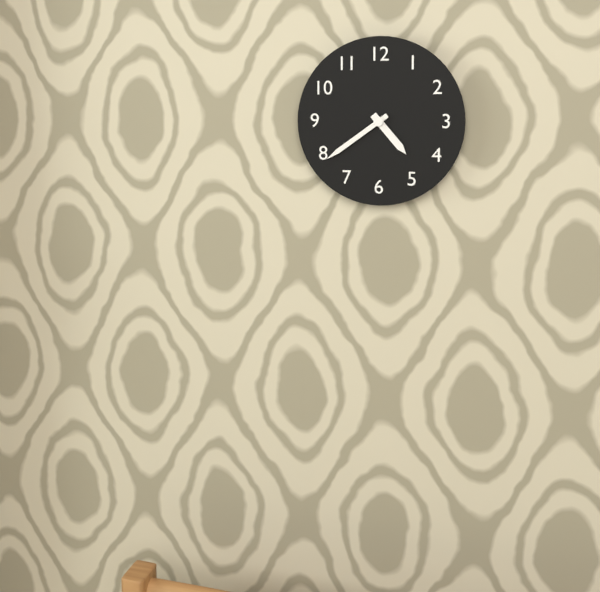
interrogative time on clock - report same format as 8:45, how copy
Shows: 4:39
